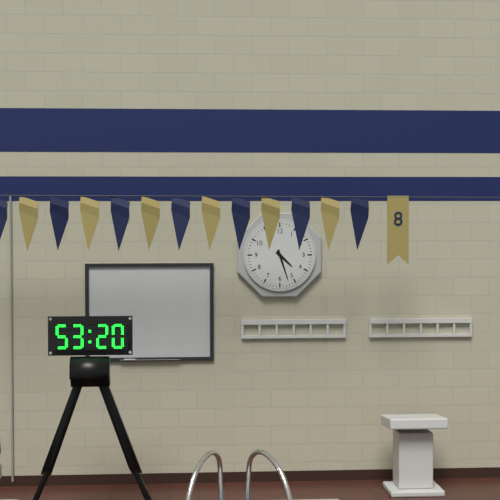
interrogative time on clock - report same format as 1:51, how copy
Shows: 4:27
